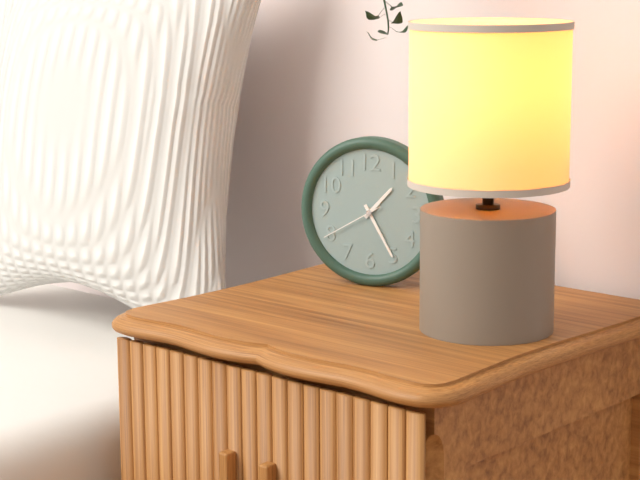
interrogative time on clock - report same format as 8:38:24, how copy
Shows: 1:25:40
